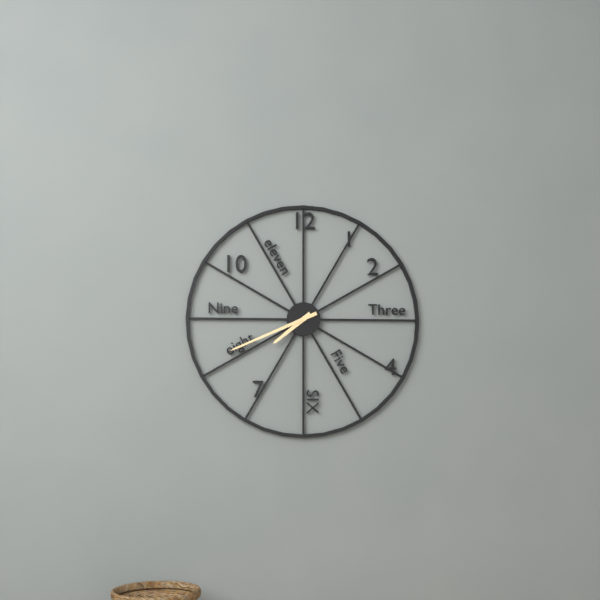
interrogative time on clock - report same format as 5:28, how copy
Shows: 7:41
